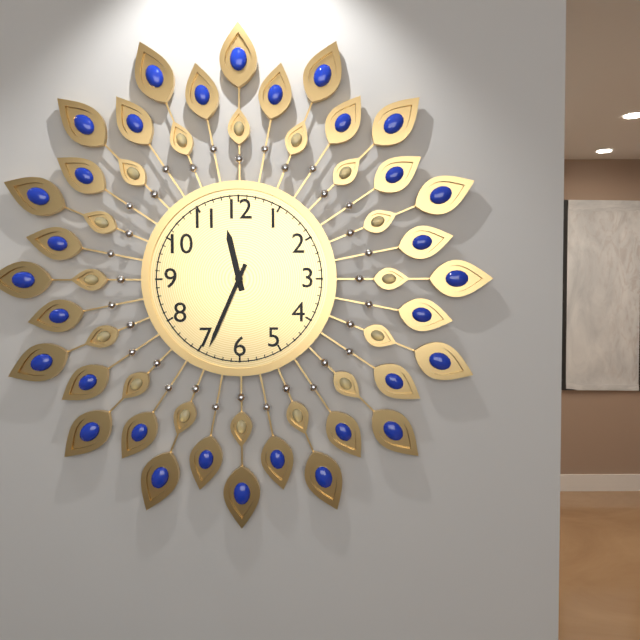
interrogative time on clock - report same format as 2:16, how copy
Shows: 11:34
